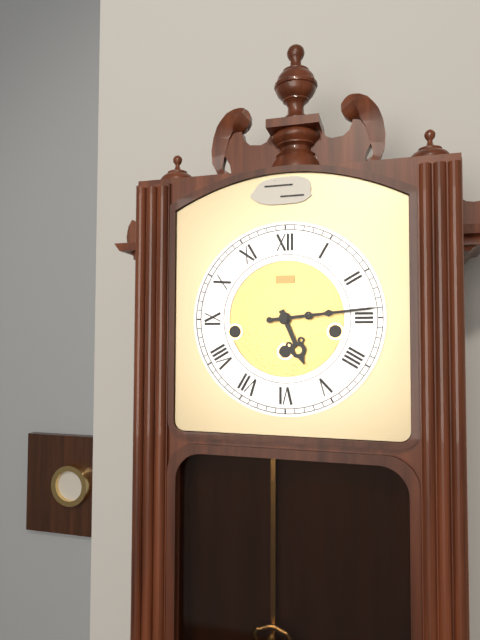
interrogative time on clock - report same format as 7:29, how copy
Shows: 5:14
